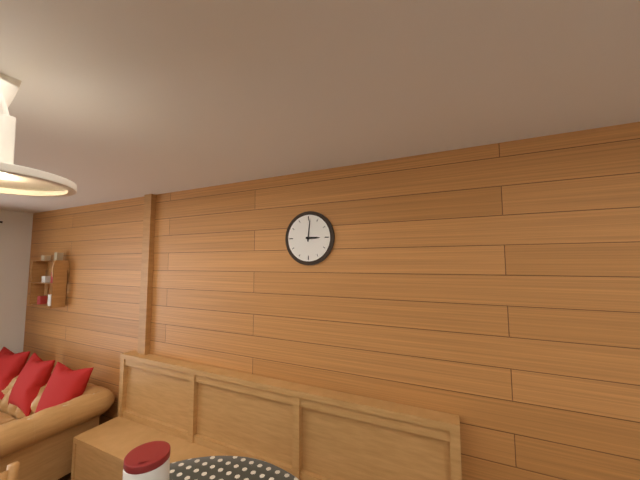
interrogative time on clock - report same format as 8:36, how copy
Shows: 3:01
